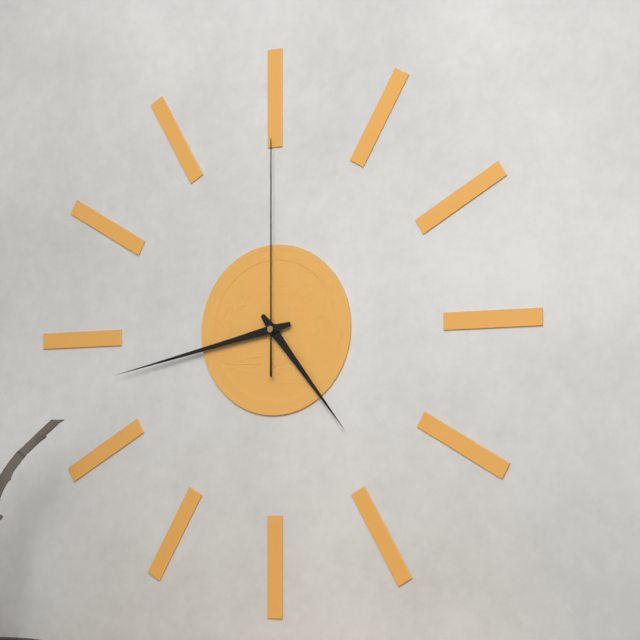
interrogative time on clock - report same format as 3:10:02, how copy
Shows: 4:43:00
